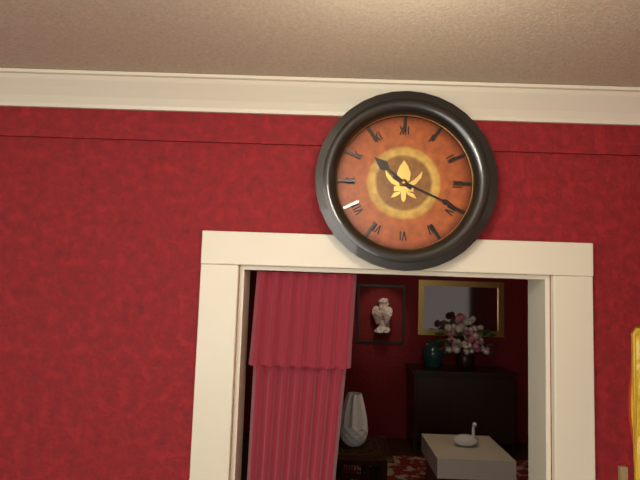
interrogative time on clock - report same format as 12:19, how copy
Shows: 10:19
